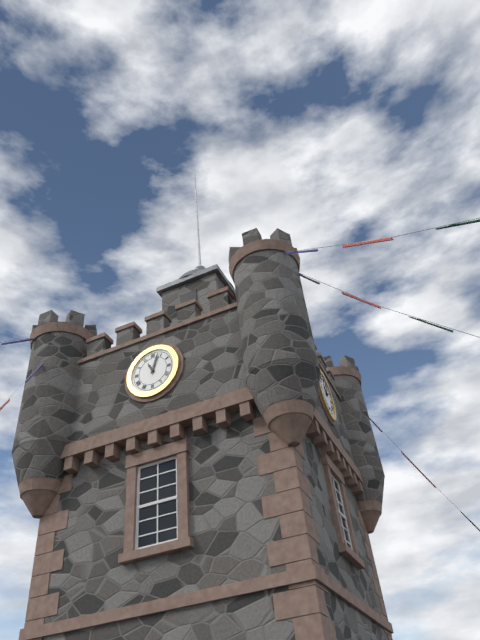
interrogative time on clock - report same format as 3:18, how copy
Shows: 11:03
